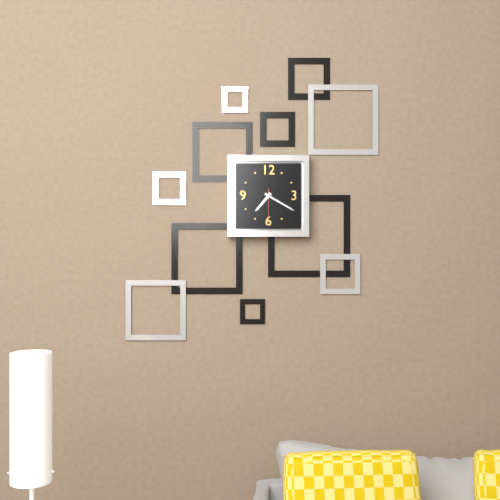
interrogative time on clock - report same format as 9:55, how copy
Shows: 7:20
